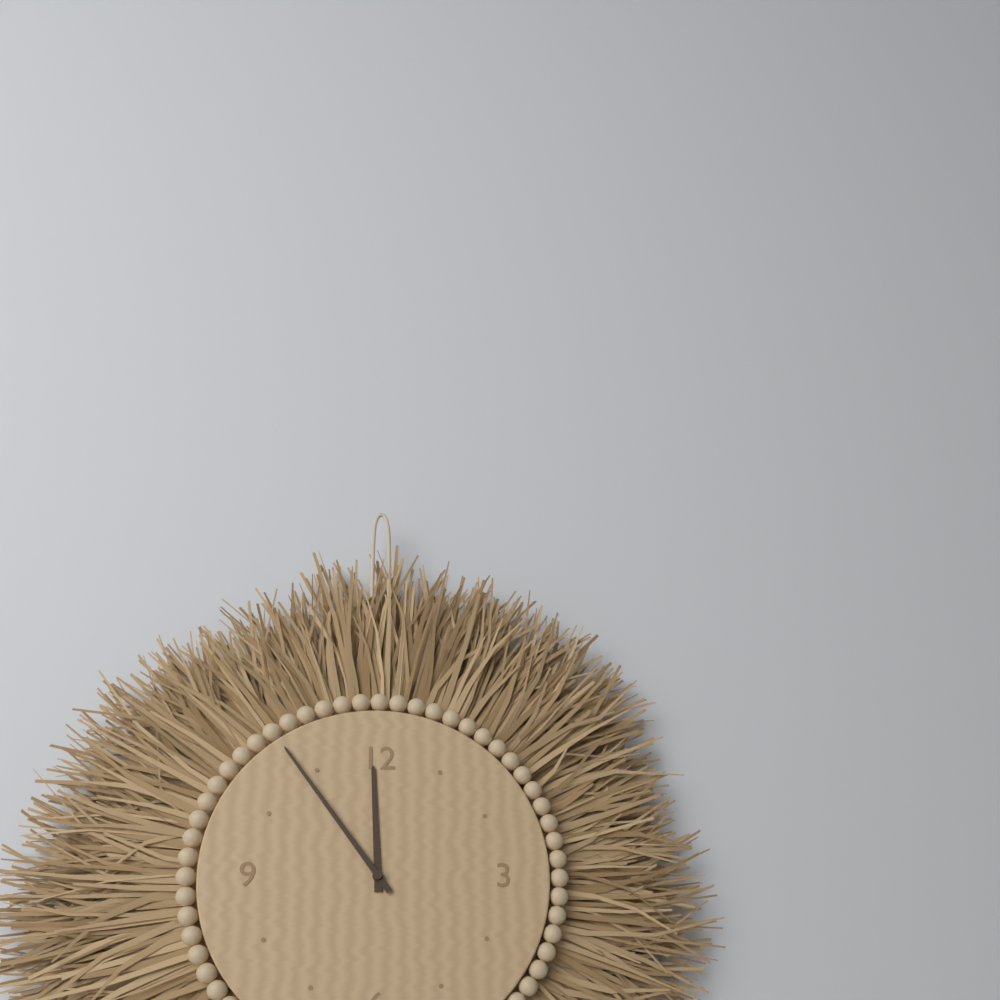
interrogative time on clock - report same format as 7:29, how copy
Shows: 11:54
